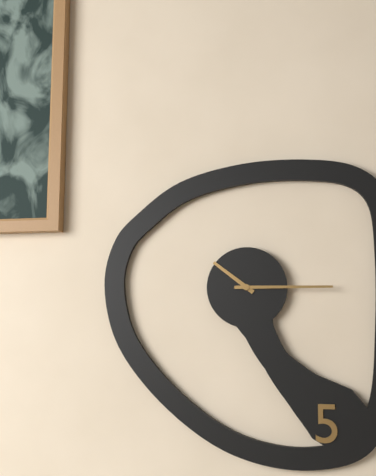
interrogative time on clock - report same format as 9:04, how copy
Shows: 10:15
